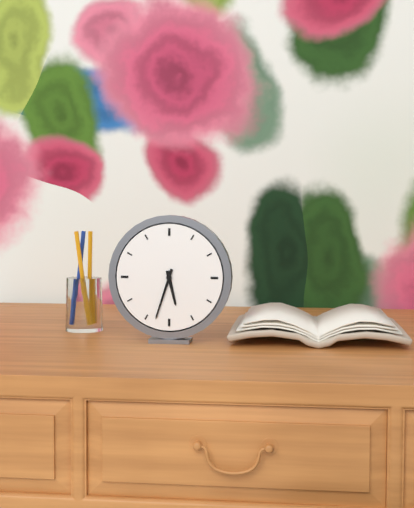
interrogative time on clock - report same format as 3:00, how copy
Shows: 5:33
